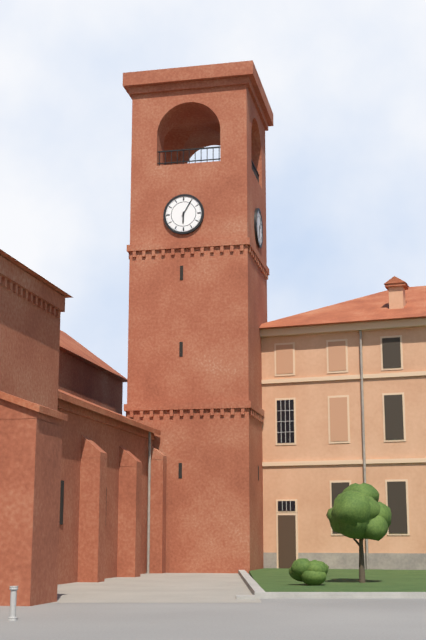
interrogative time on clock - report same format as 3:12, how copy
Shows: 6:05
